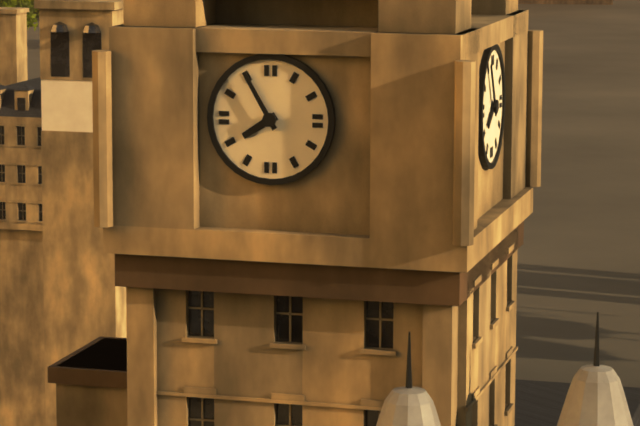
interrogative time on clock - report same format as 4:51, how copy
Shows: 7:55
